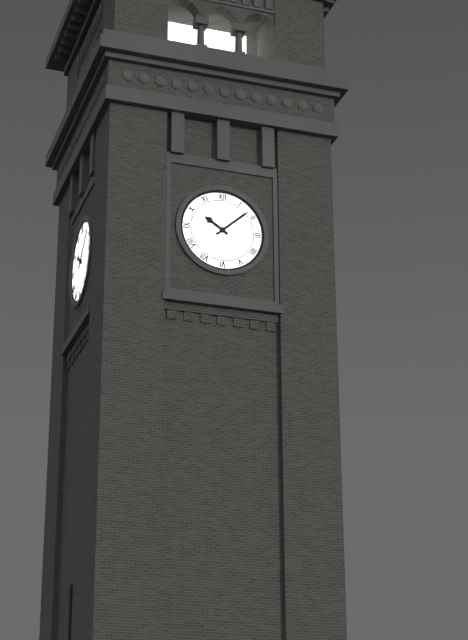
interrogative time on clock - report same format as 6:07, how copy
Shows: 10:08
